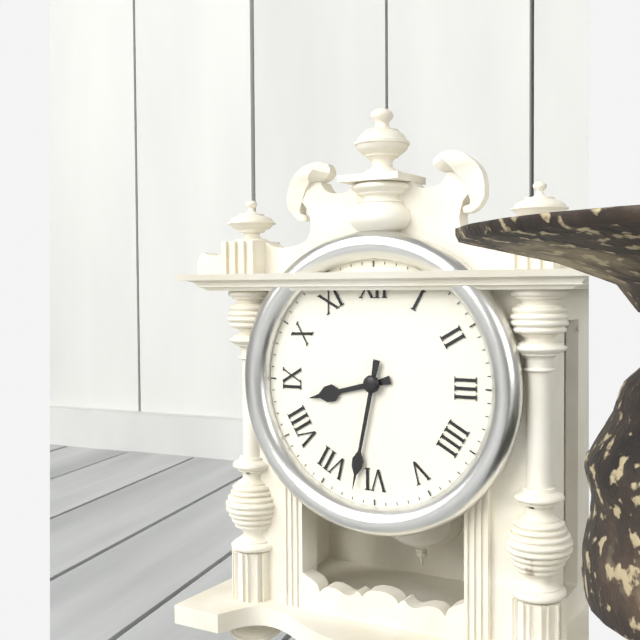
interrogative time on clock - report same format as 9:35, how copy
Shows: 8:32
